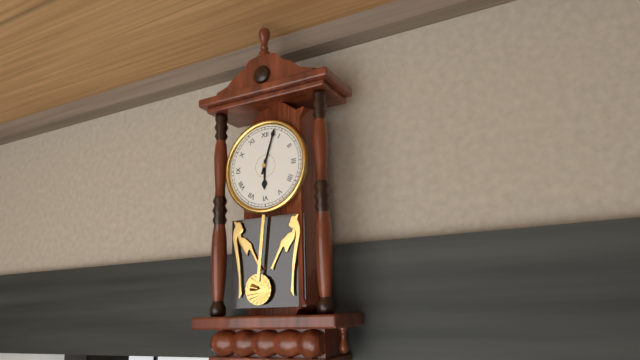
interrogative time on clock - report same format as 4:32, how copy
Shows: 6:03
